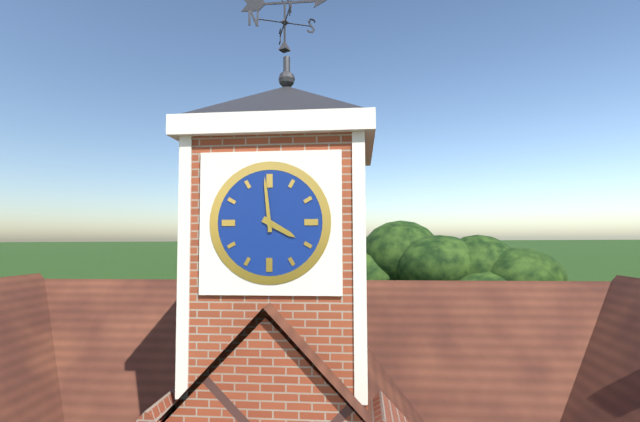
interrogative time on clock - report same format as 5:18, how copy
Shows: 3:59
